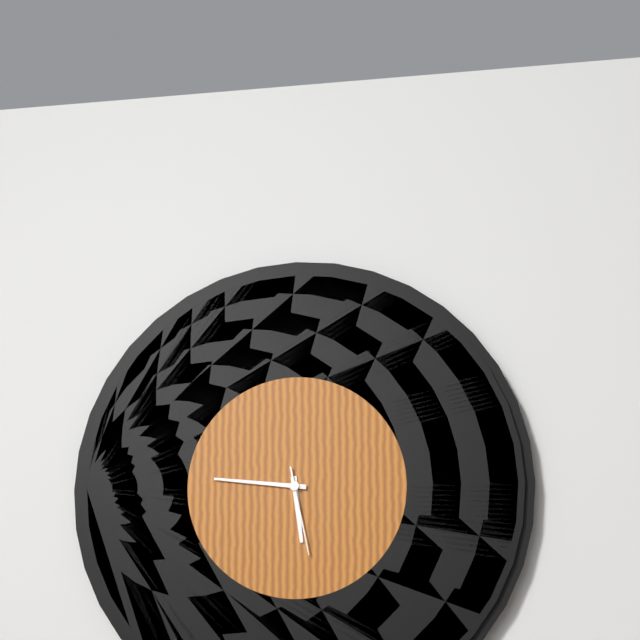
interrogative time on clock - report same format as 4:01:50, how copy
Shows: 5:46:28
